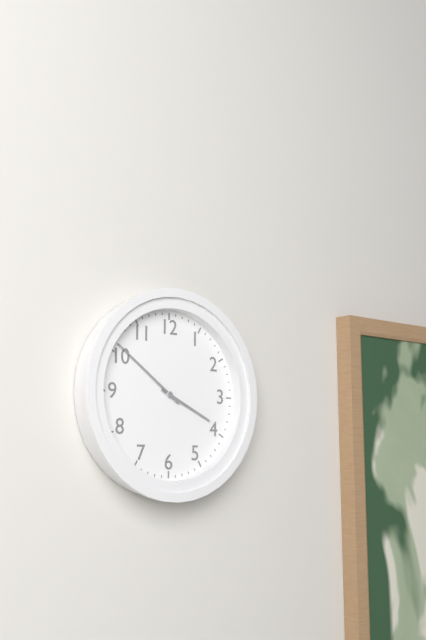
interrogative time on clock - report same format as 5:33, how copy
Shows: 3:51
